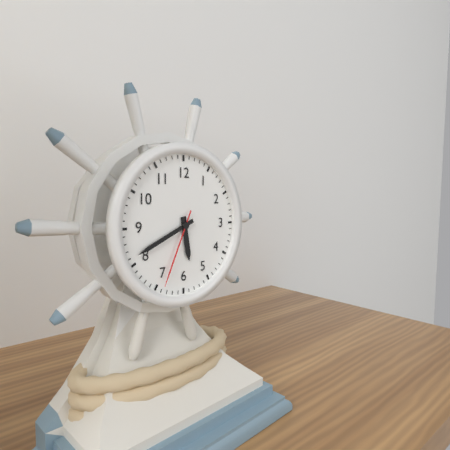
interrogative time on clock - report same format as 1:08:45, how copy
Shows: 5:41:34
